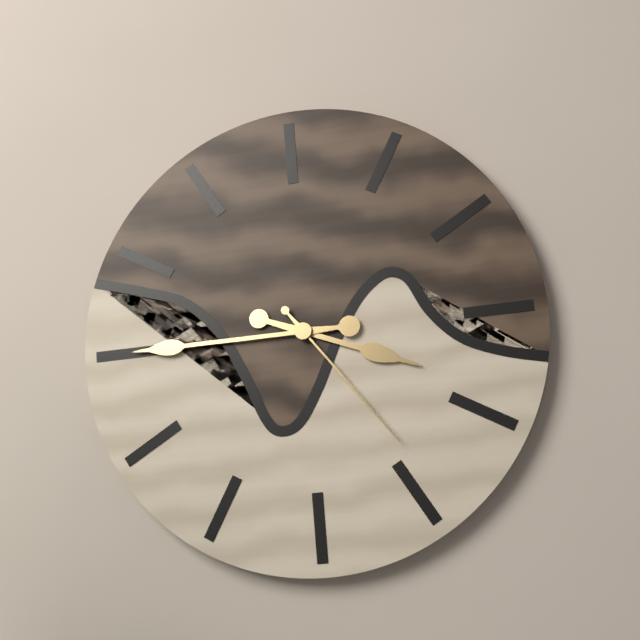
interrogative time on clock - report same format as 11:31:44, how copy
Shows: 3:45:24
